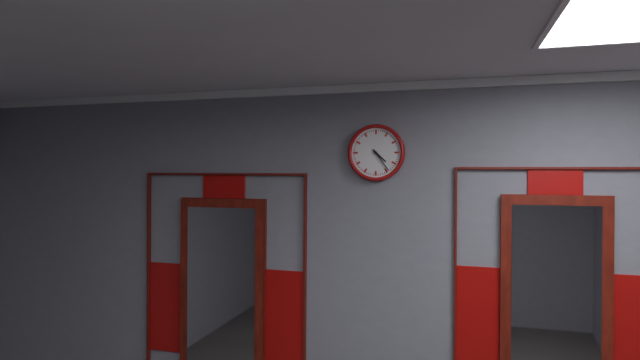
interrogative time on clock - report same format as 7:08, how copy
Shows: 4:24
